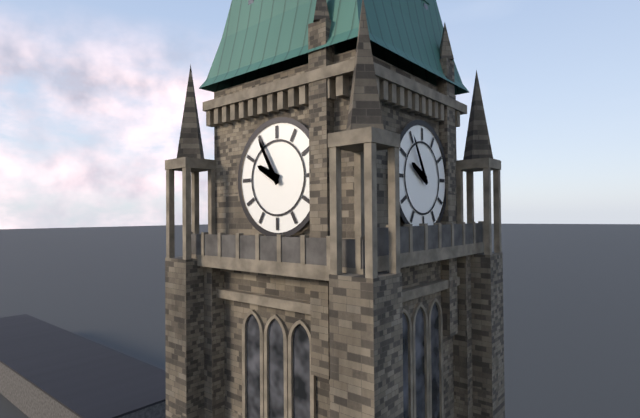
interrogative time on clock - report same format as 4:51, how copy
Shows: 9:55
